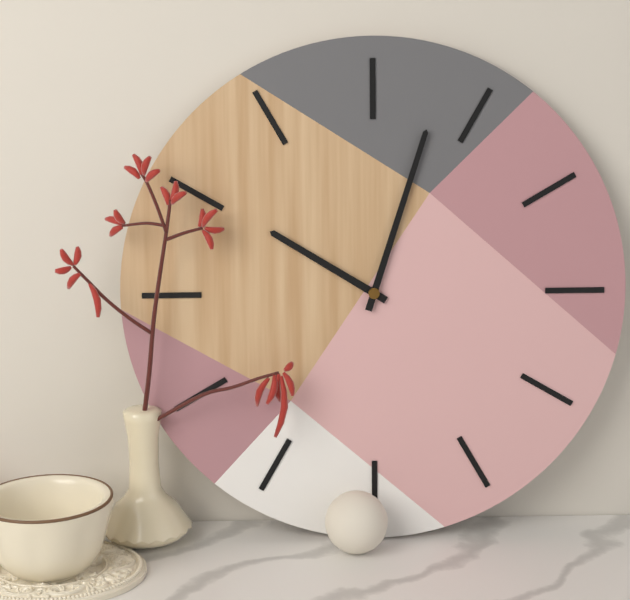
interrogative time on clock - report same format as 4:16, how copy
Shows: 10:03
